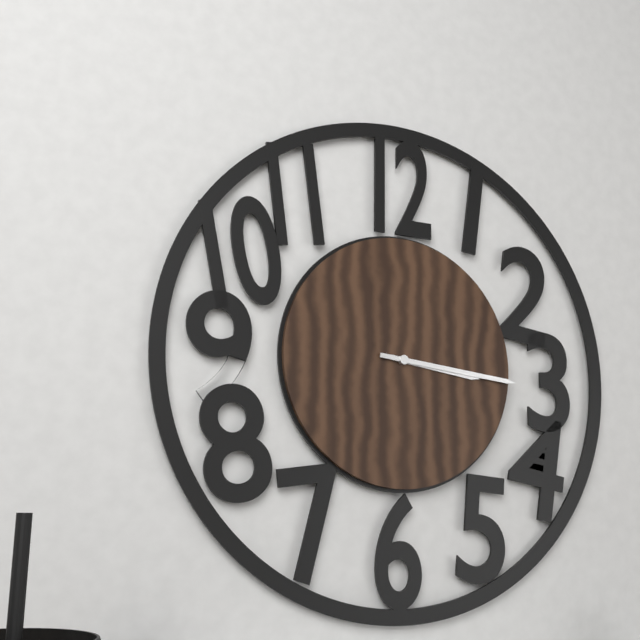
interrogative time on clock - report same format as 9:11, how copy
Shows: 3:16
